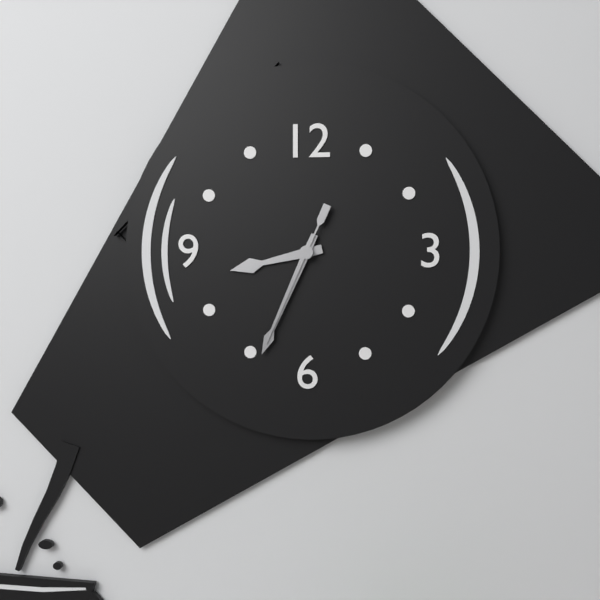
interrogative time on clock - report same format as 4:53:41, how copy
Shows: 8:34:34
